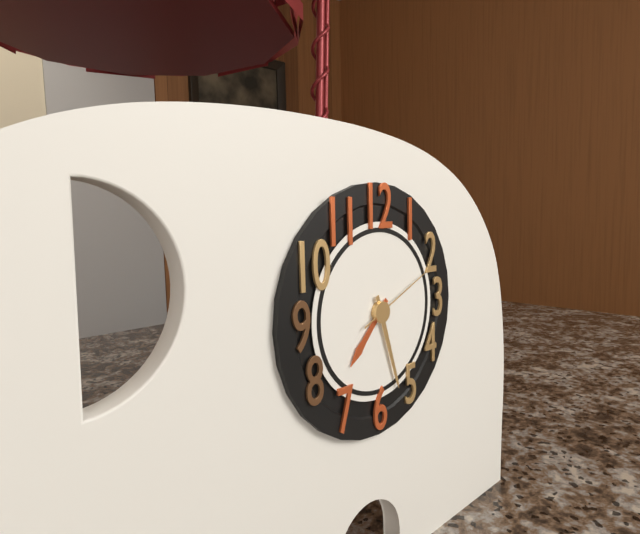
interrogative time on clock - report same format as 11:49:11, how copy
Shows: 7:27:11
